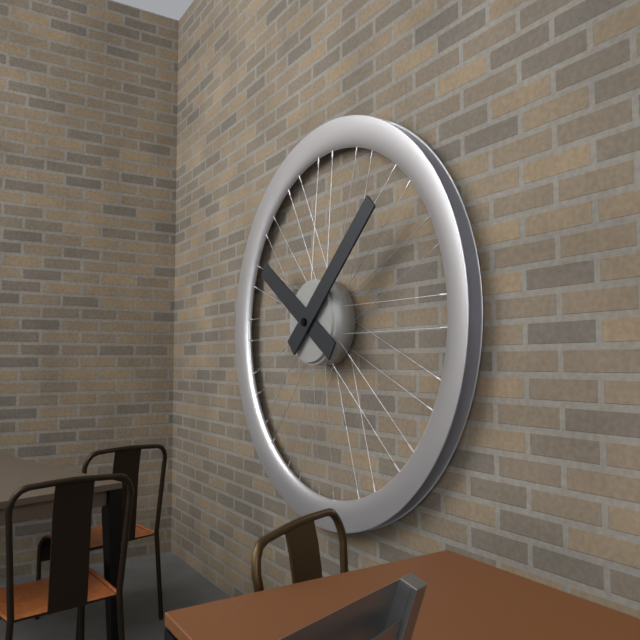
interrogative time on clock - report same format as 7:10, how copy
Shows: 10:08
